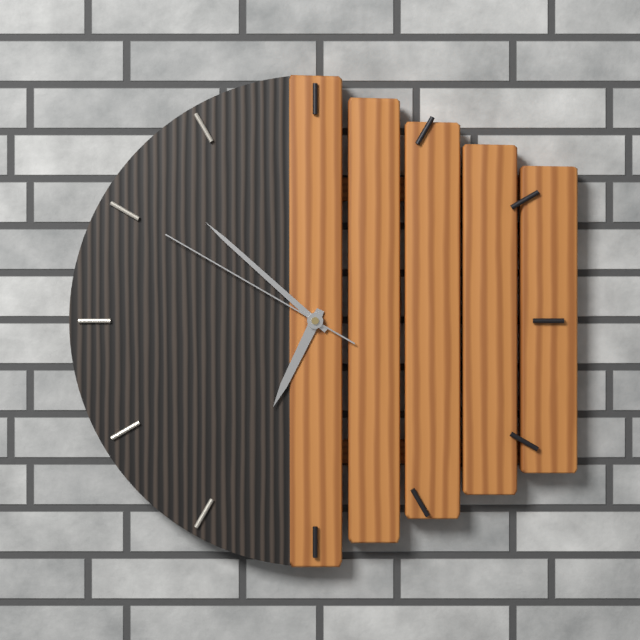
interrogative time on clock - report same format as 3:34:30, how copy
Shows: 6:52:50
